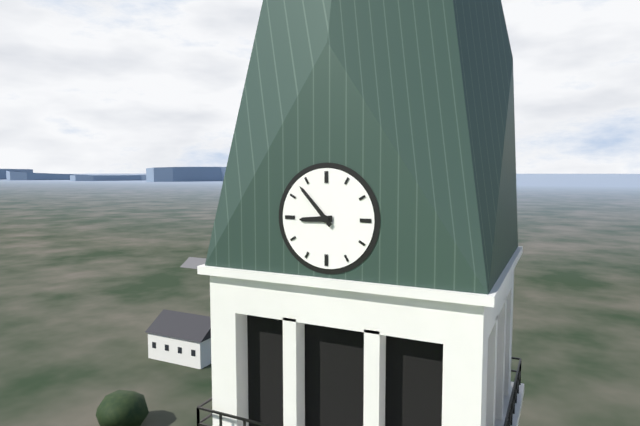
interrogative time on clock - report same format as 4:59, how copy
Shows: 8:53
